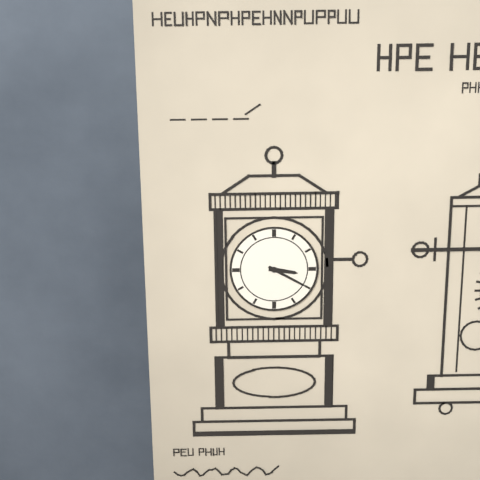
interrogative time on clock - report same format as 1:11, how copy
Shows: 3:20
